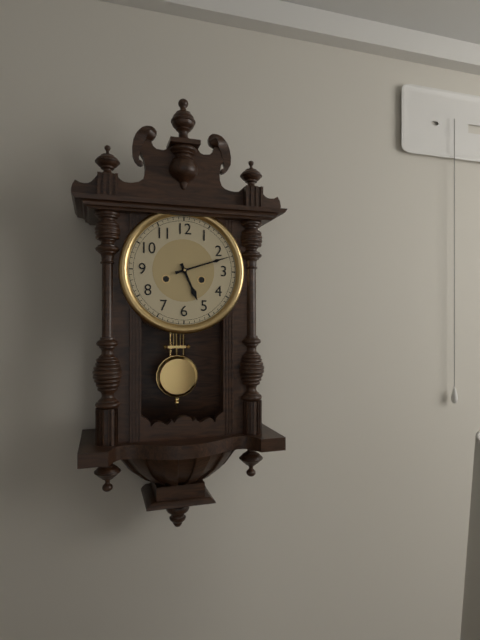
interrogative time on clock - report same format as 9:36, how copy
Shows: 5:12
